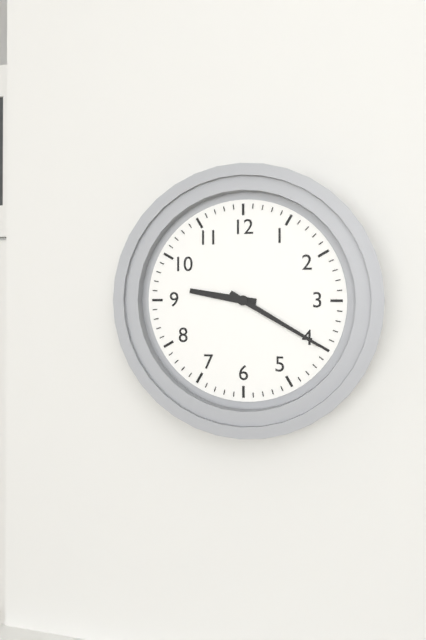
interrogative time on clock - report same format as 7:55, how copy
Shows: 9:20
